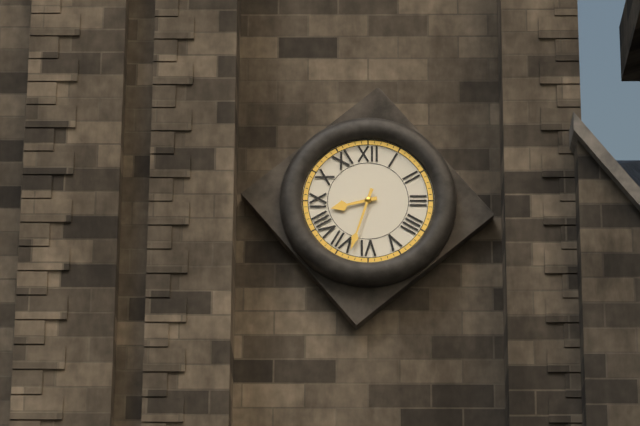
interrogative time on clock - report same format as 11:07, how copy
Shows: 8:33
